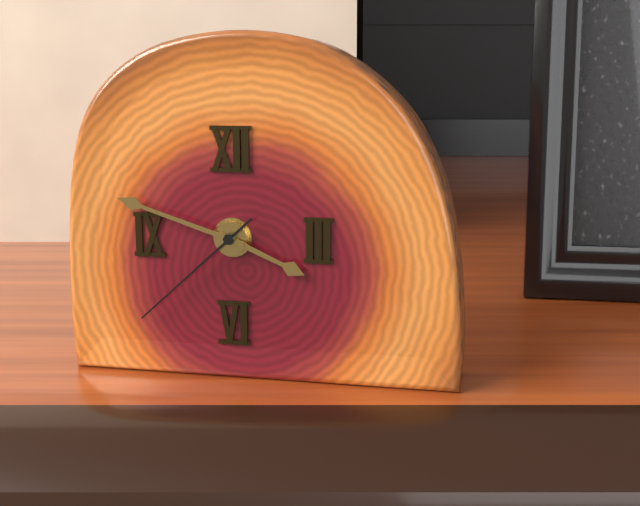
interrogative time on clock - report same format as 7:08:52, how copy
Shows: 3:48:38
